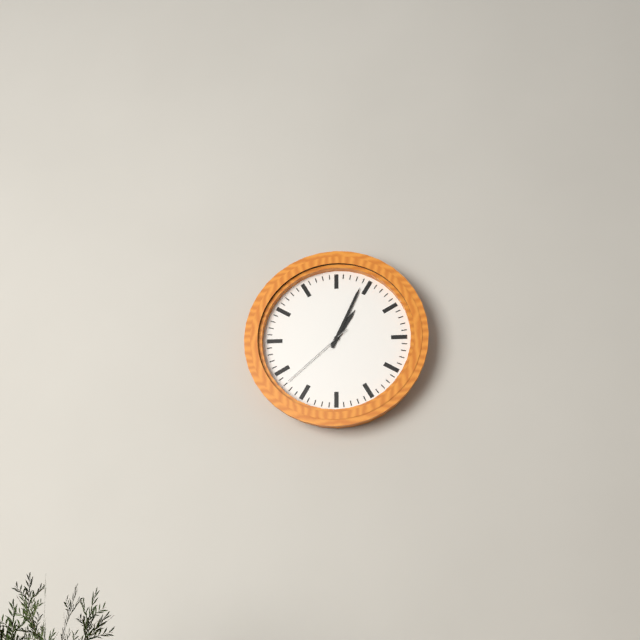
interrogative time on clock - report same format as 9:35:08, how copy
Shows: 1:04:38
